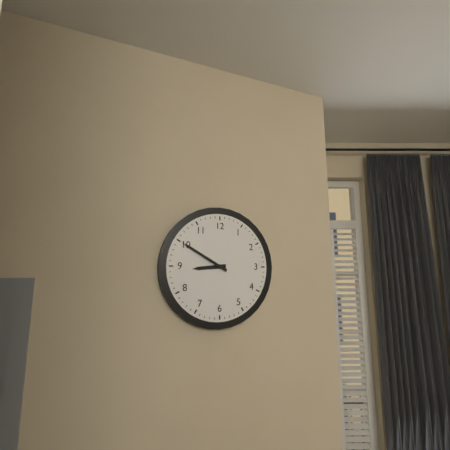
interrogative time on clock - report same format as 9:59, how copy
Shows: 8:50
